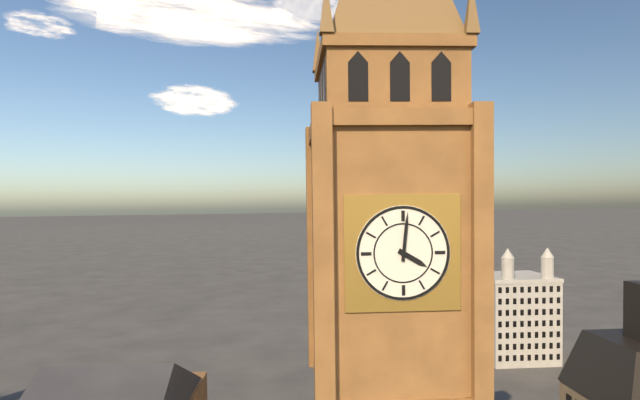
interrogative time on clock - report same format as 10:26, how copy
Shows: 4:01
